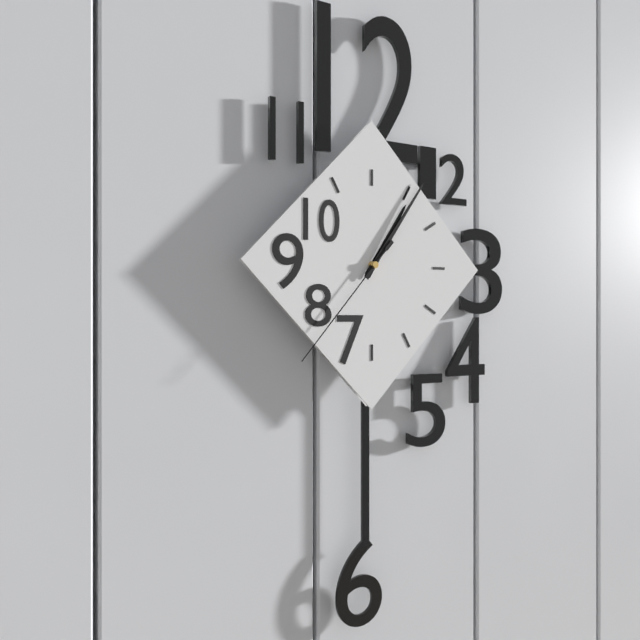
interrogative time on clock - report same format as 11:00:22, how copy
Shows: 1:06:37
